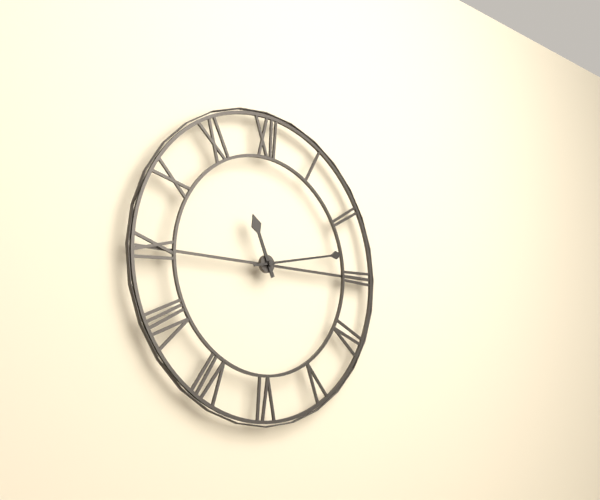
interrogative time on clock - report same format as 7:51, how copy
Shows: 11:13
